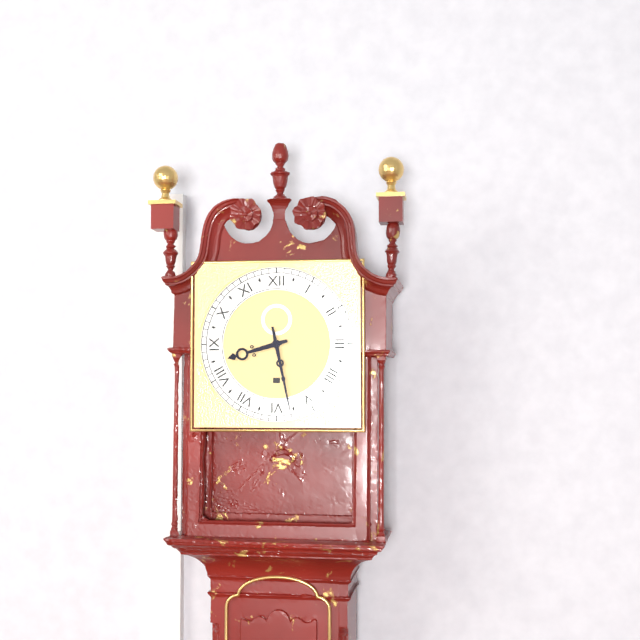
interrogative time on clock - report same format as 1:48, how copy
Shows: 8:28
